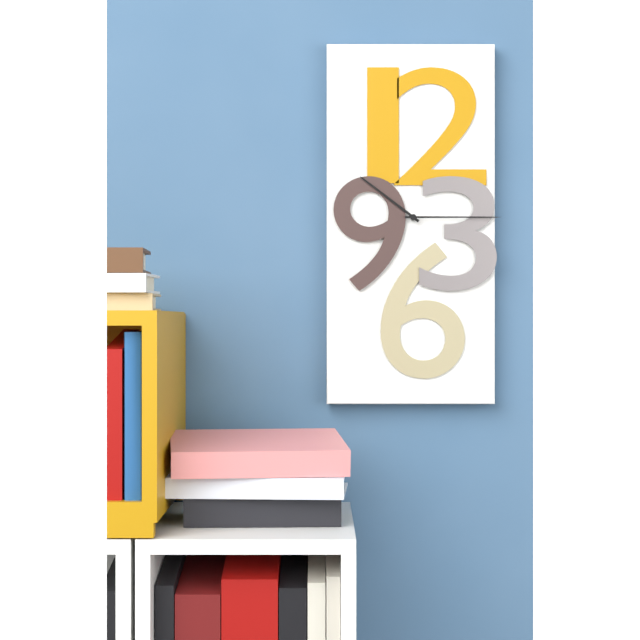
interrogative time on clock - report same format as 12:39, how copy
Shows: 10:15
